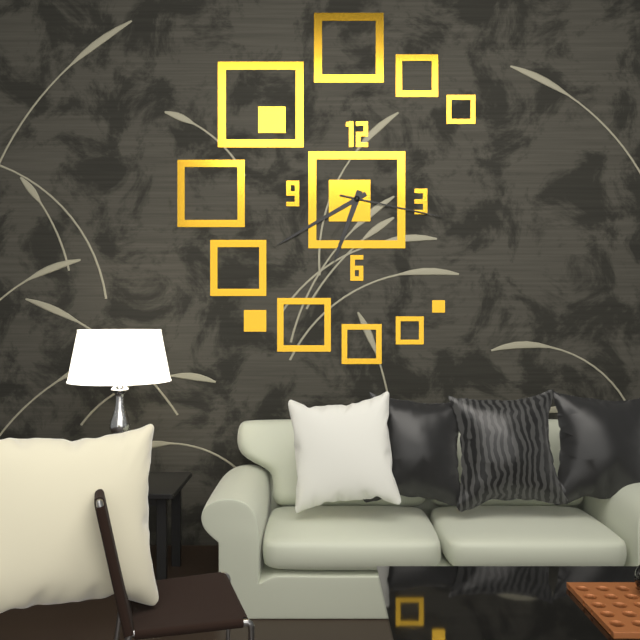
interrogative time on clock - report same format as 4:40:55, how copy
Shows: 6:40:17
